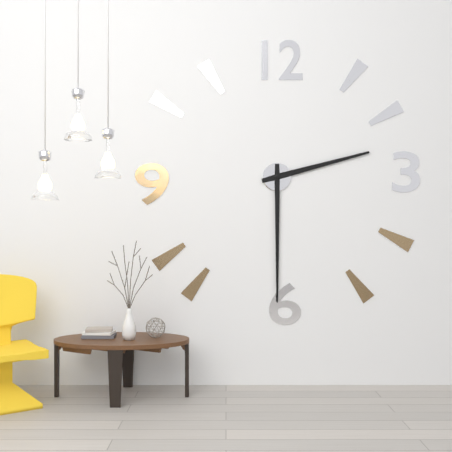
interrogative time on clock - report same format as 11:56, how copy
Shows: 2:30
